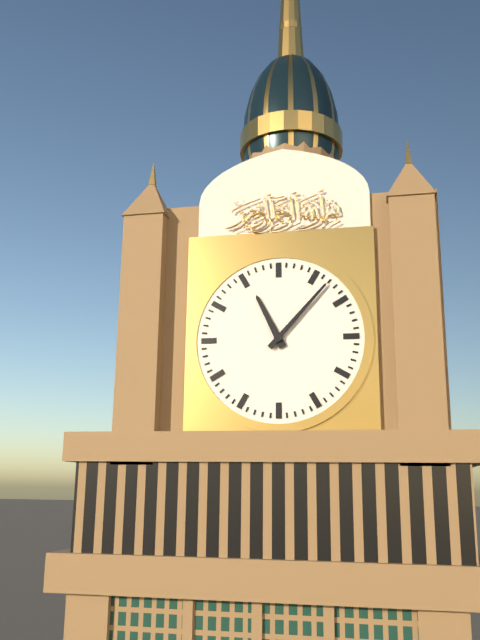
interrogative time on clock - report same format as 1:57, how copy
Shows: 11:07
